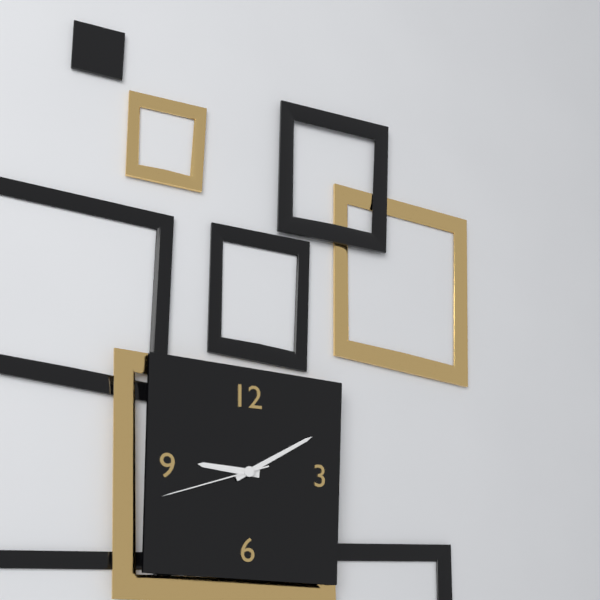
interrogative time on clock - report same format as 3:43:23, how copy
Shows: 9:10:42
